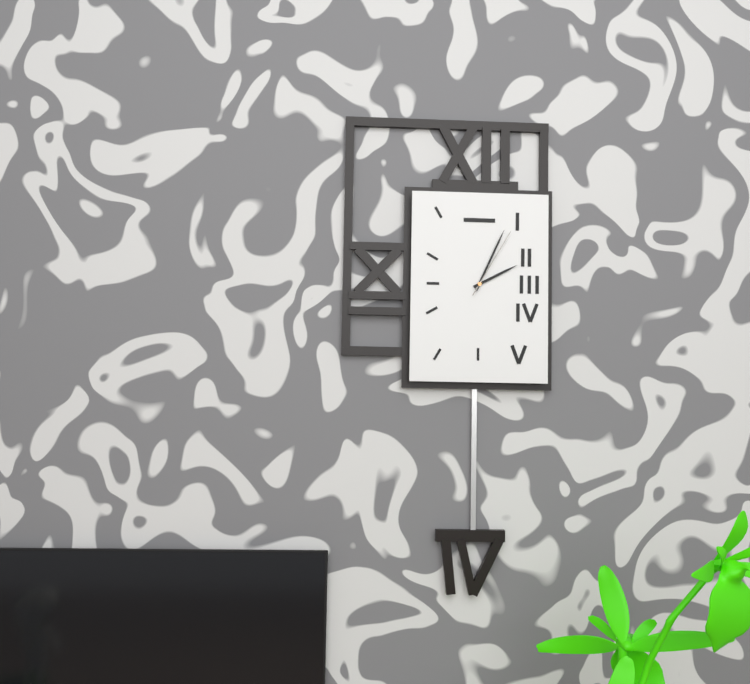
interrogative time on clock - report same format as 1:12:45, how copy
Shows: 2:04:05
